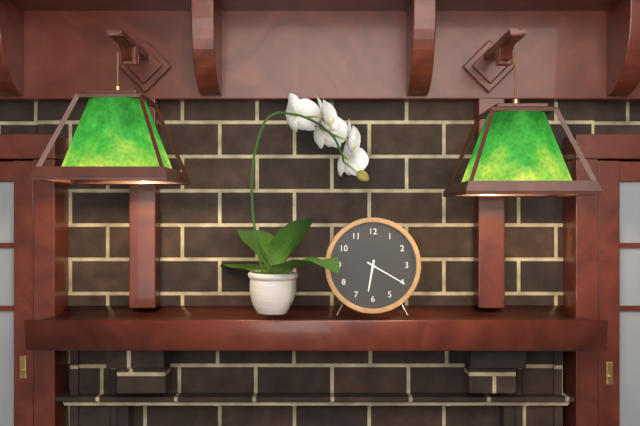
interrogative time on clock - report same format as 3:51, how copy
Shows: 6:20
